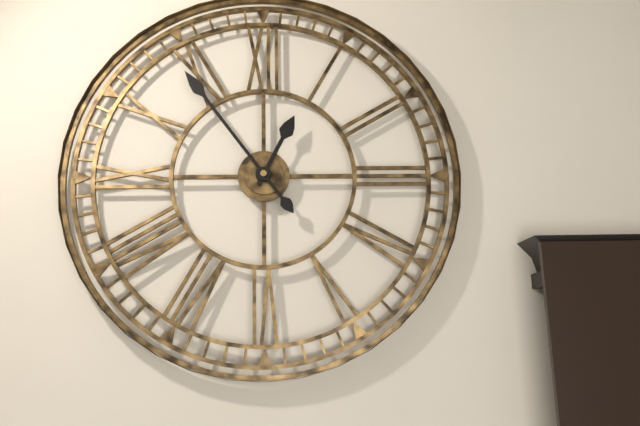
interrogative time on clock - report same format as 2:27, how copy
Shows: 12:54
